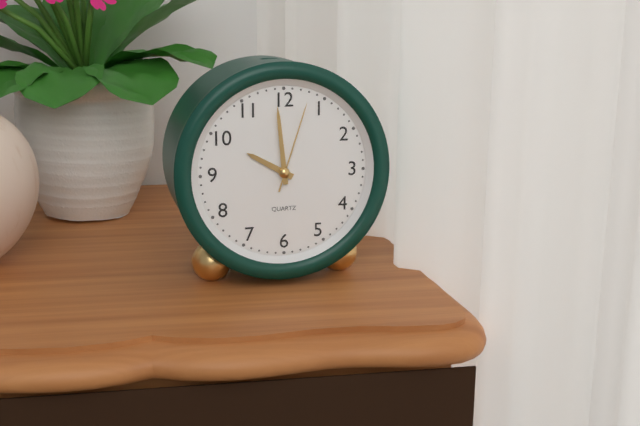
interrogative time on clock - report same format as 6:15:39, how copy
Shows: 9:59:03
